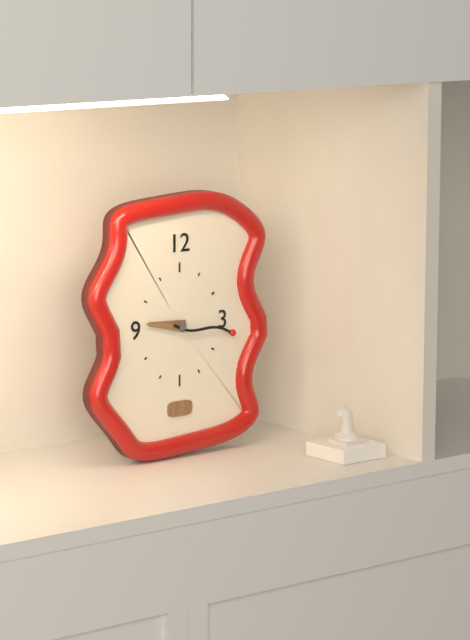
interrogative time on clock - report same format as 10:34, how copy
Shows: 9:17
